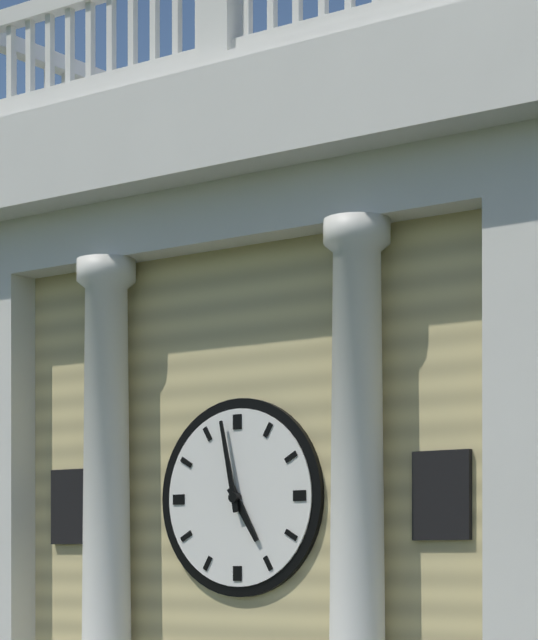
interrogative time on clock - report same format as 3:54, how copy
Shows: 4:58
